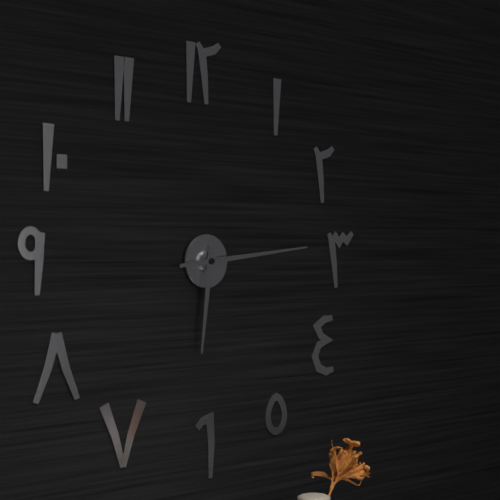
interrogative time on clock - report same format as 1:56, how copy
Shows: 6:14
